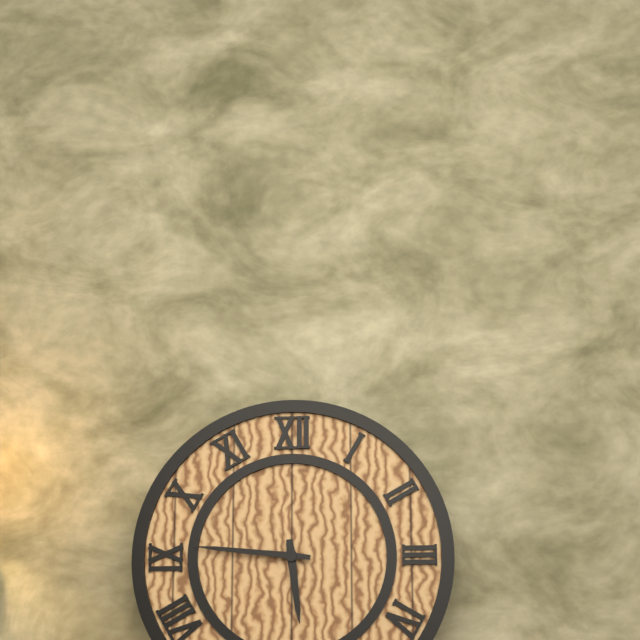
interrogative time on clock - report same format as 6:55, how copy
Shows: 5:46
